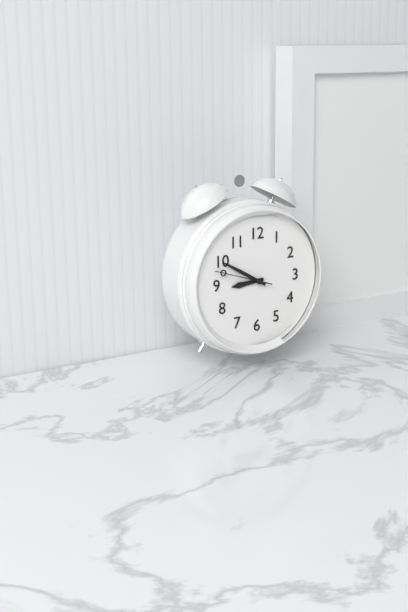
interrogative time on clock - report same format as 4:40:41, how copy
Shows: 8:50:48
